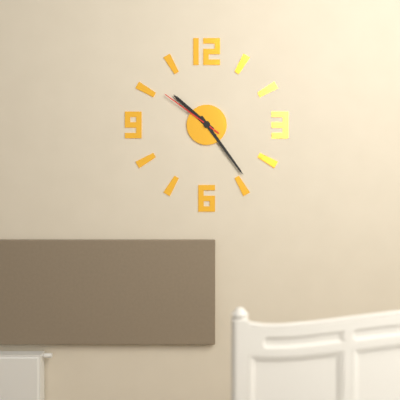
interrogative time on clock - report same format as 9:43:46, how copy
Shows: 10:24:51
